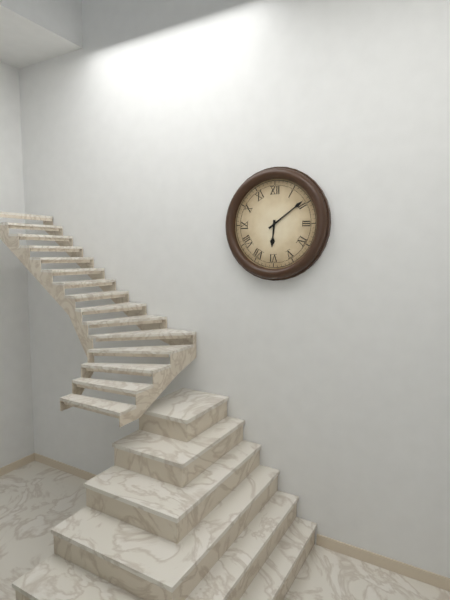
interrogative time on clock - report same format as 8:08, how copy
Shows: 6:09
